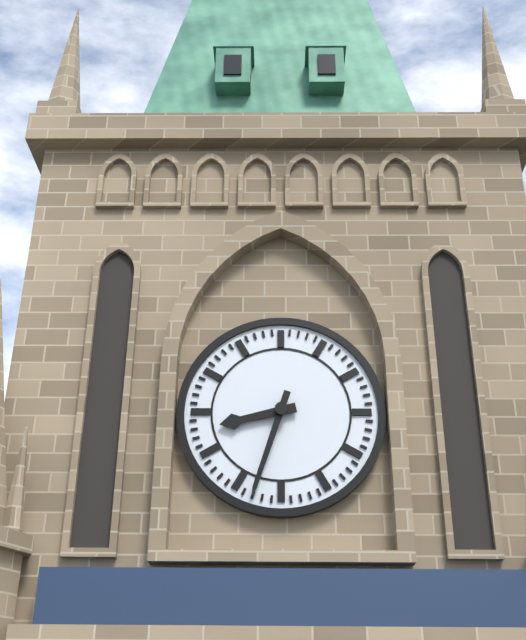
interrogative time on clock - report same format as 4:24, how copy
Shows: 8:33
